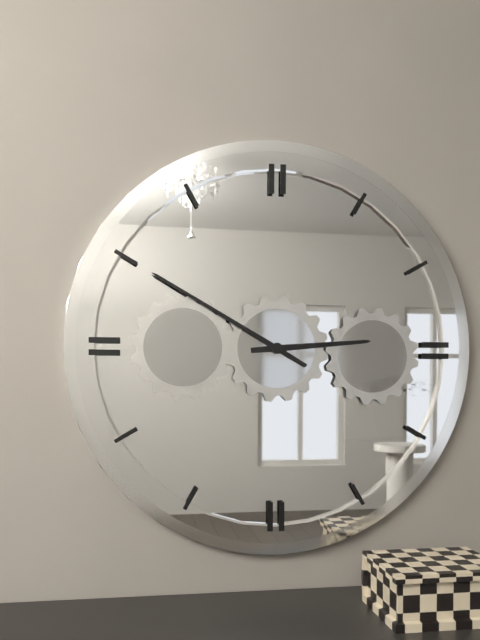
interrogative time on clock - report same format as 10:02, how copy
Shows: 2:50
